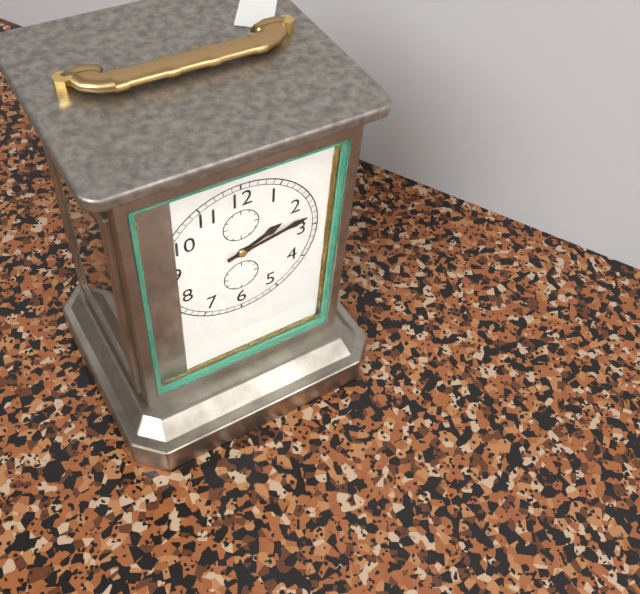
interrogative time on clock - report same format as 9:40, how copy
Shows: 2:13
